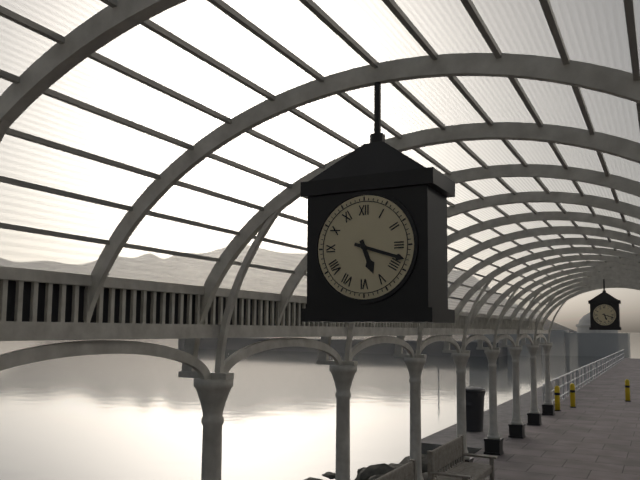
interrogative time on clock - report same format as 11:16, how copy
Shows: 5:18
